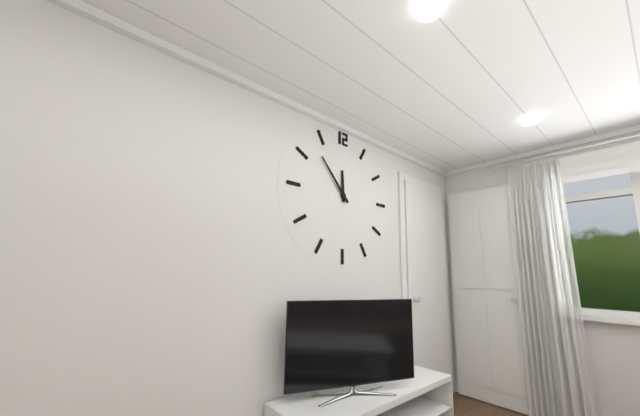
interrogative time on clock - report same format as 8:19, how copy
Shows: 11:53
